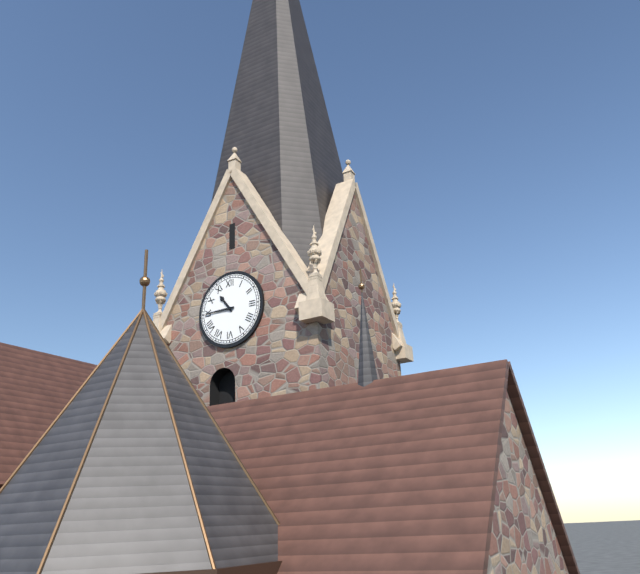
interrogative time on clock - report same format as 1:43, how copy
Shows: 10:45
